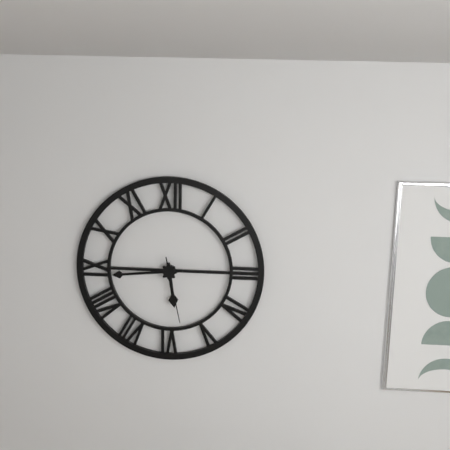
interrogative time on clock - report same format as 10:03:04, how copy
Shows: 5:44:28
